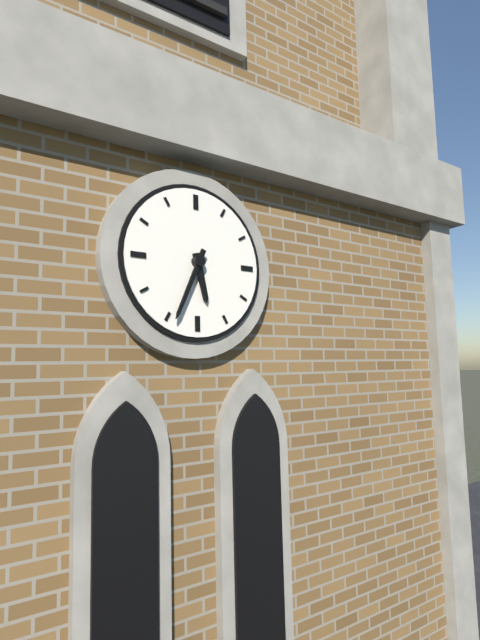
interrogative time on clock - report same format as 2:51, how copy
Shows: 5:34
